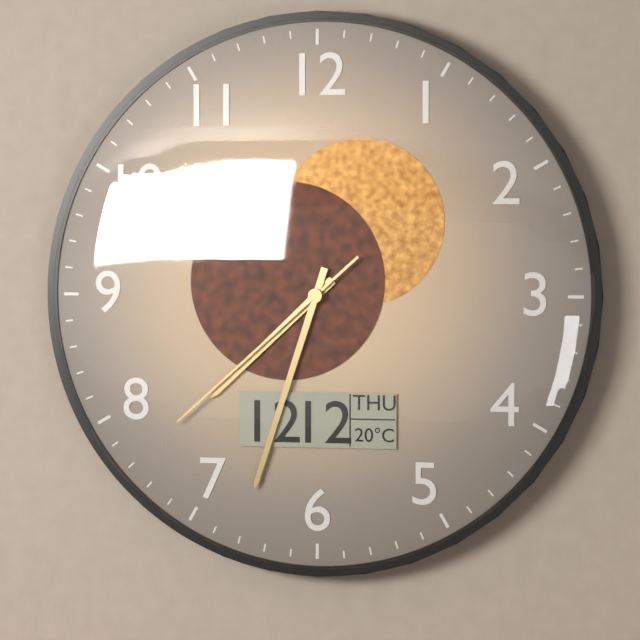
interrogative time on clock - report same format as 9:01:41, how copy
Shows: 7:33:38
